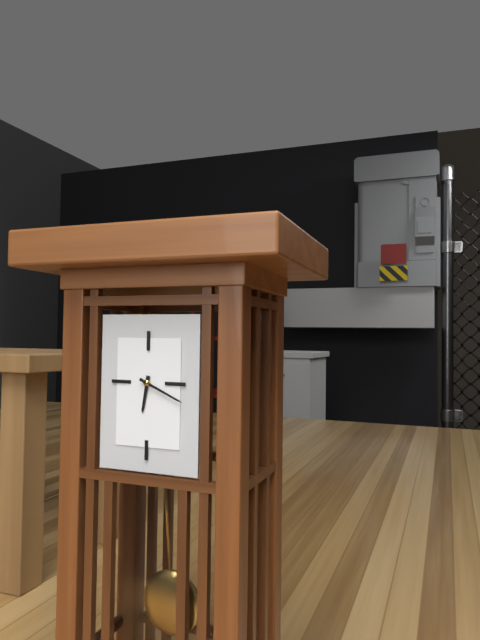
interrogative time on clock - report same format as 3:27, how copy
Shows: 6:19
